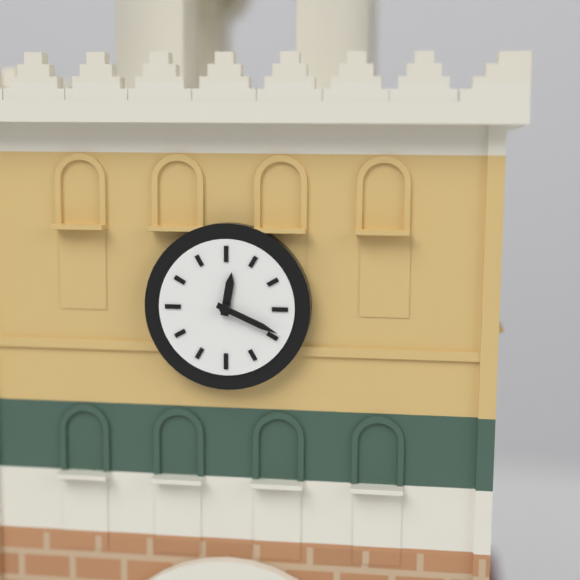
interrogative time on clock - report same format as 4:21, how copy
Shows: 12:19
